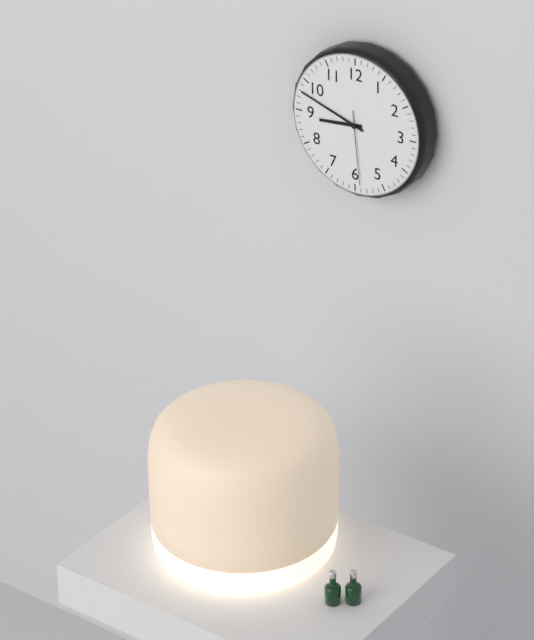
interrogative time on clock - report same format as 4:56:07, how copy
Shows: 8:48:29
